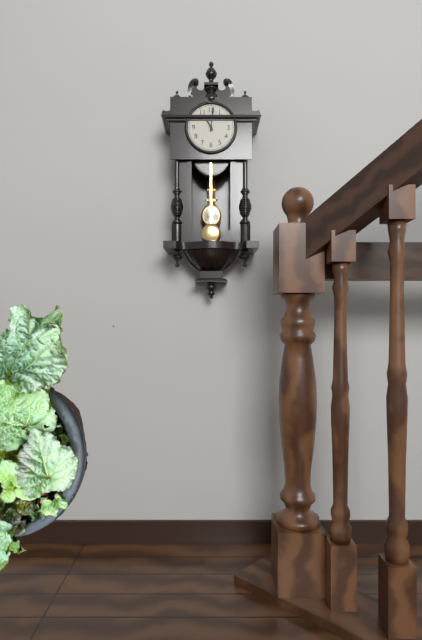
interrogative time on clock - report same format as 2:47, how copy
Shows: 11:01
